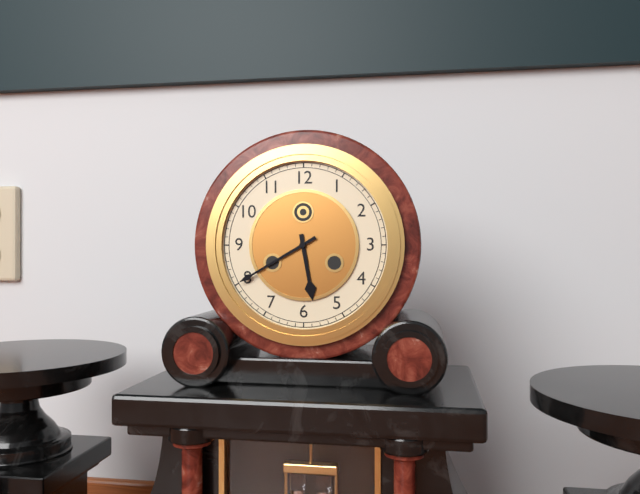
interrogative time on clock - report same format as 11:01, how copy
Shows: 5:40
